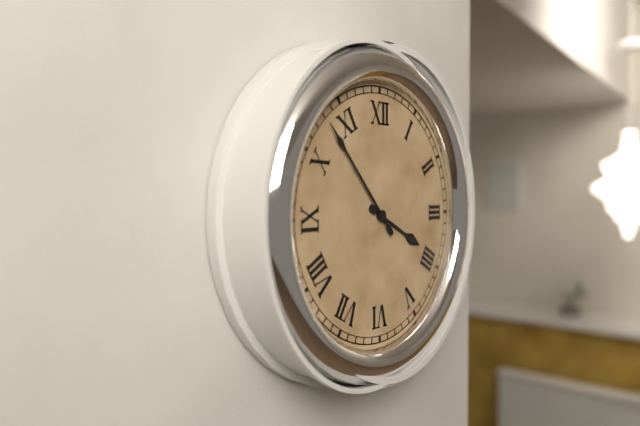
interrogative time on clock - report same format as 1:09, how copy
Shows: 3:53
